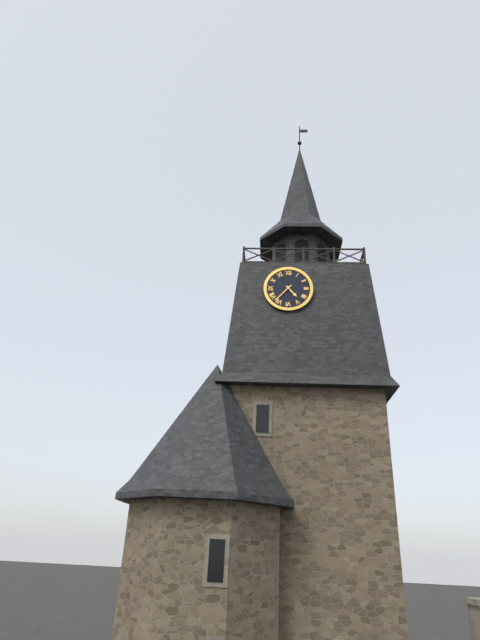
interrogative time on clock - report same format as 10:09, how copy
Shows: 4:37
